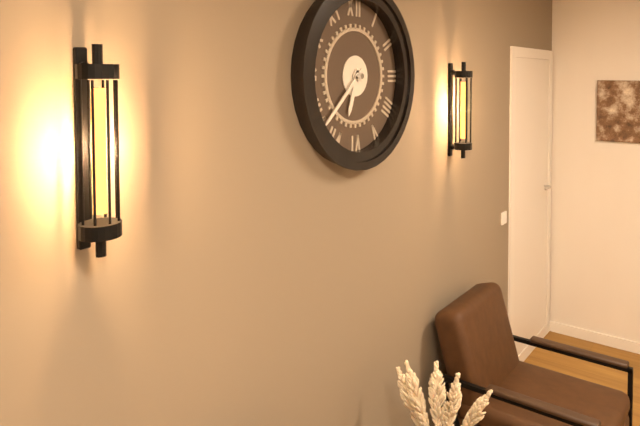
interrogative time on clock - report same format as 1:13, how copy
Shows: 6:38
